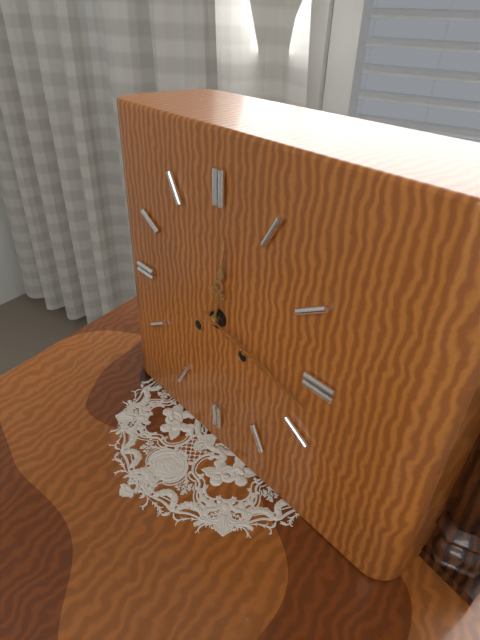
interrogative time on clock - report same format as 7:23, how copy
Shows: 12:17
